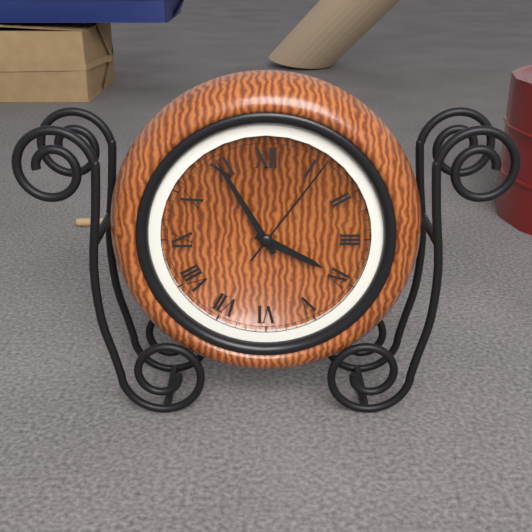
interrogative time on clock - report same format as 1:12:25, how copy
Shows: 3:55:06
